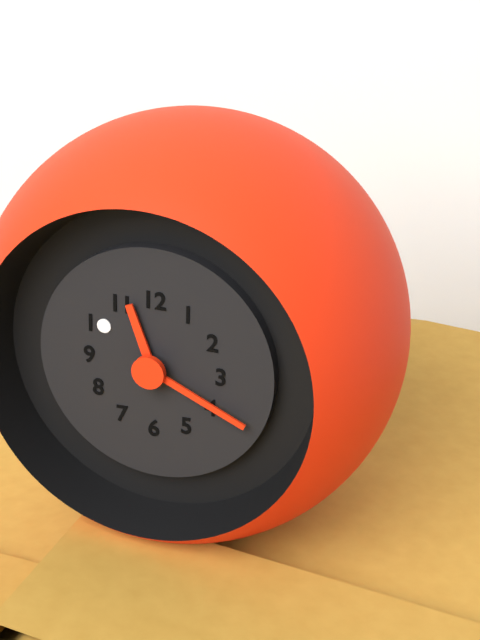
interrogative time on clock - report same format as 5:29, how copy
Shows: 11:19
